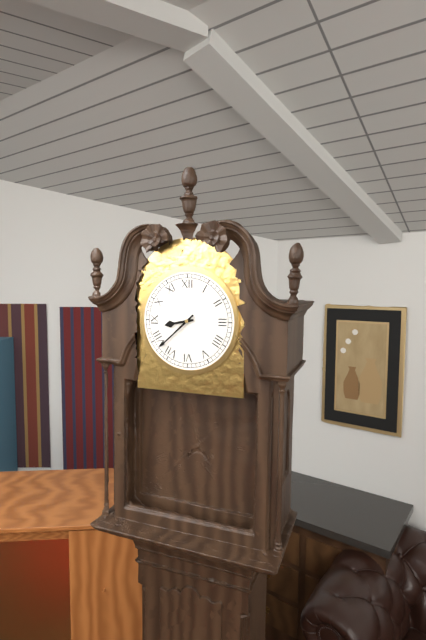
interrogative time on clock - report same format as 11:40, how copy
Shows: 8:38
